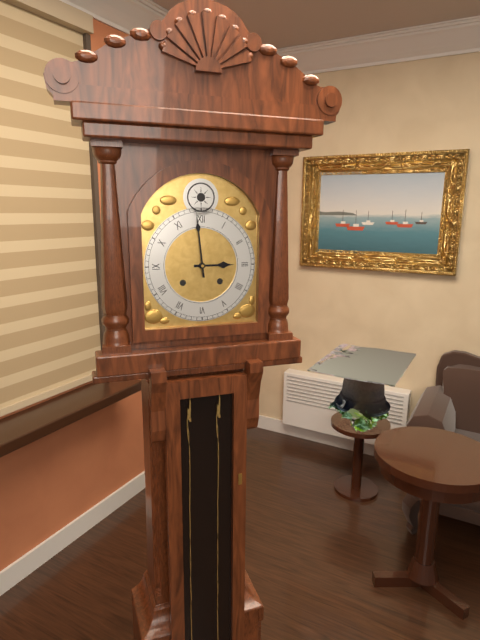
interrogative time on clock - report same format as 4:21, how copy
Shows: 2:59
